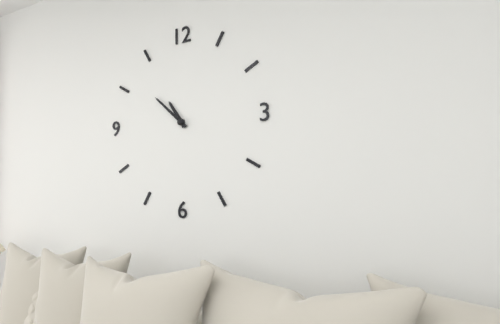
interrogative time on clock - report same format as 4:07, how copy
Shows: 10:52
